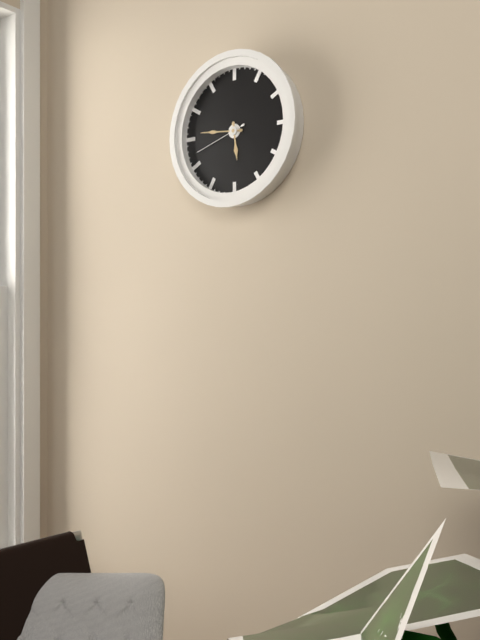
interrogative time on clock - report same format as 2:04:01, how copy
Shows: 5:46:42
